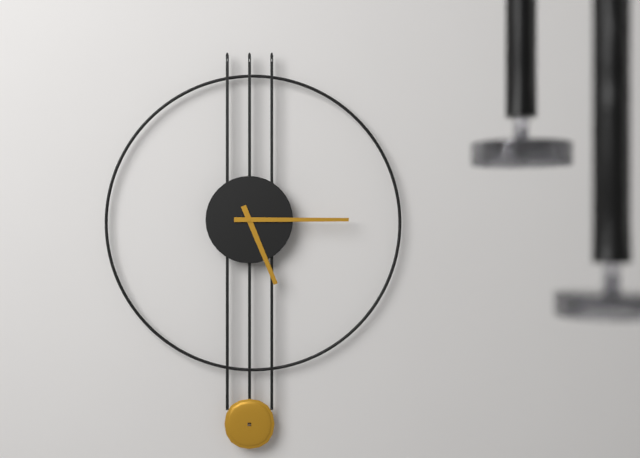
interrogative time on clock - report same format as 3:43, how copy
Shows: 5:15
